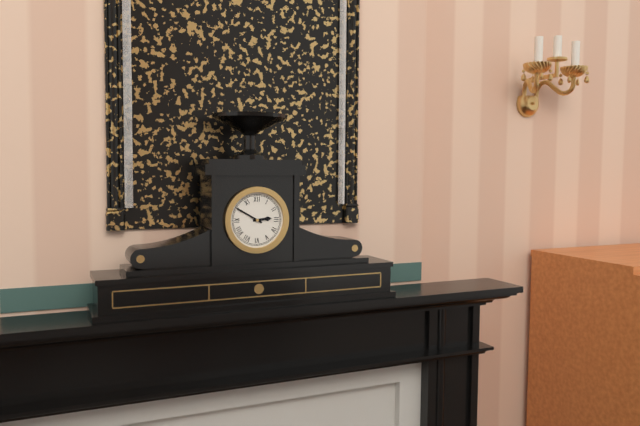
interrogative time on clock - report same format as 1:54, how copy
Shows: 2:50
